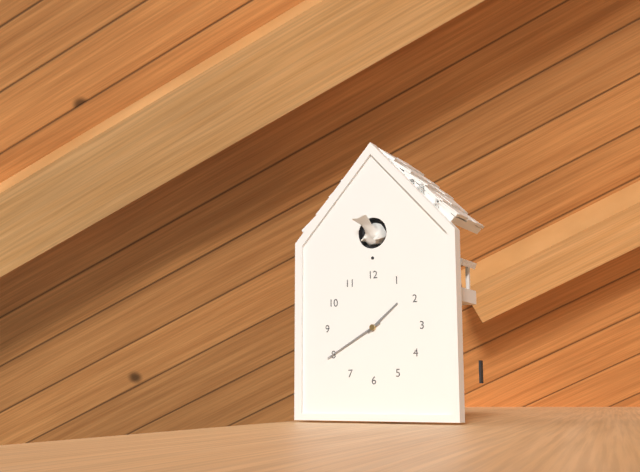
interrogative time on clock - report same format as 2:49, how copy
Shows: 1:40
